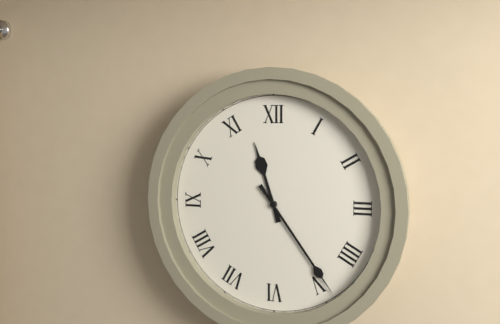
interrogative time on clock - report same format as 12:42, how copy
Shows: 11:24
